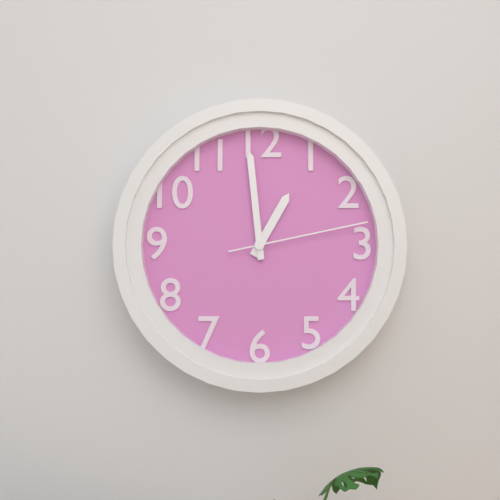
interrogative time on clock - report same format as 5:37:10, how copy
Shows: 12:59:13
